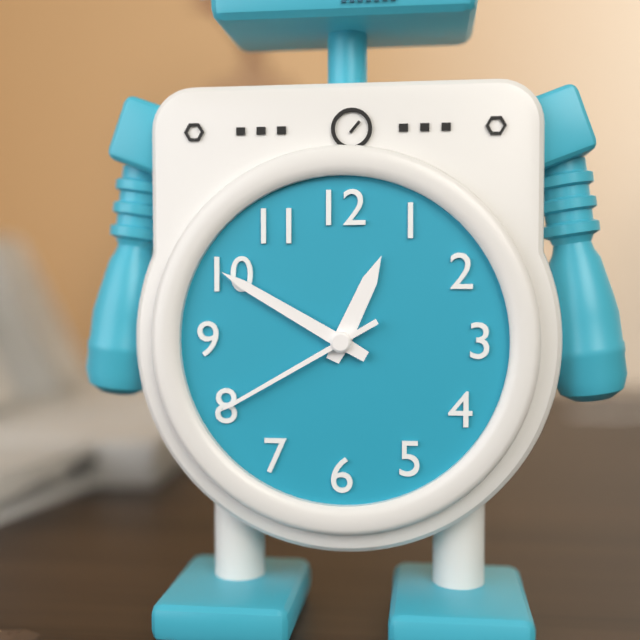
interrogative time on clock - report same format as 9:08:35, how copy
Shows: 12:50:40
